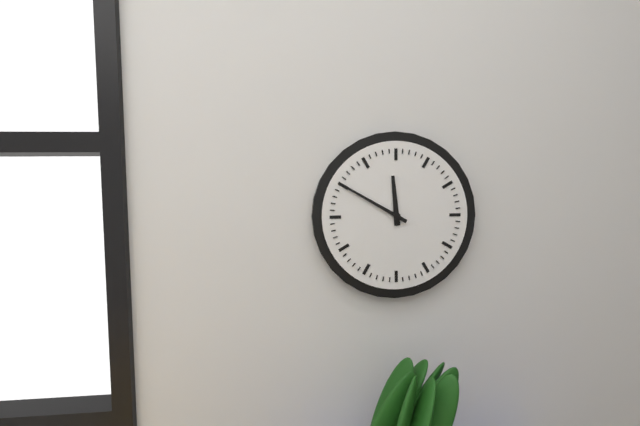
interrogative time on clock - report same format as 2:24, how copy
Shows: 11:50
